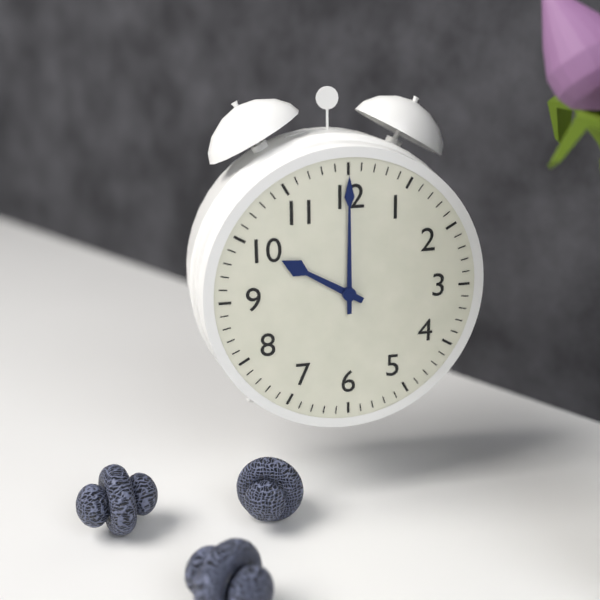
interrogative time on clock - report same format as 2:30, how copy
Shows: 10:00
